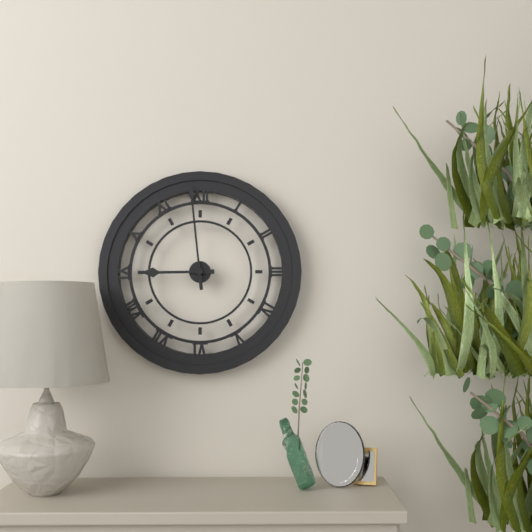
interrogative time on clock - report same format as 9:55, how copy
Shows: 8:59
